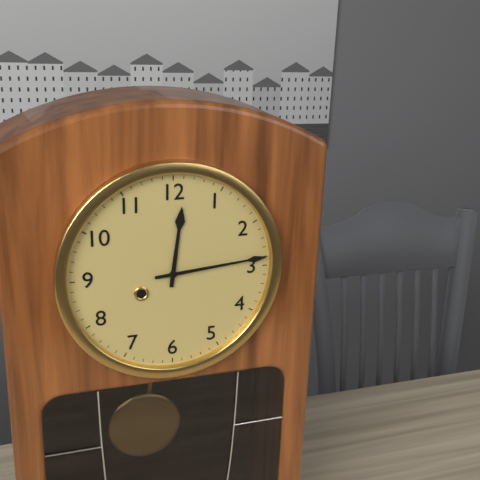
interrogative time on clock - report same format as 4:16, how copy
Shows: 12:14
